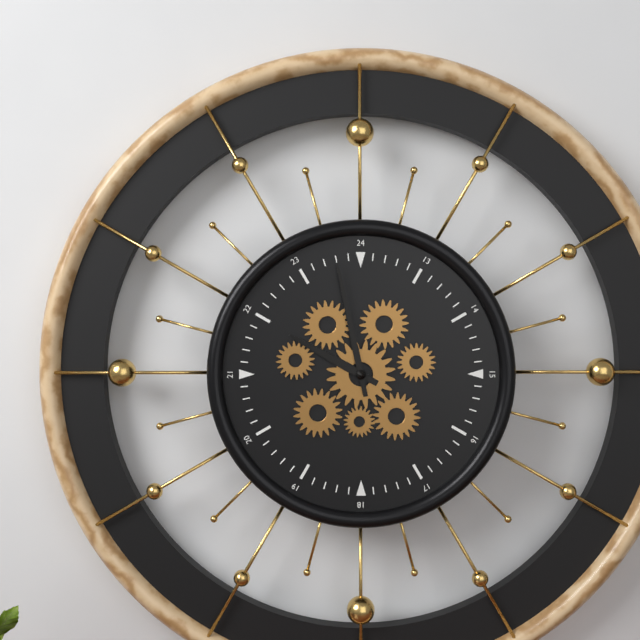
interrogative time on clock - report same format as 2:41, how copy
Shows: 9:58
